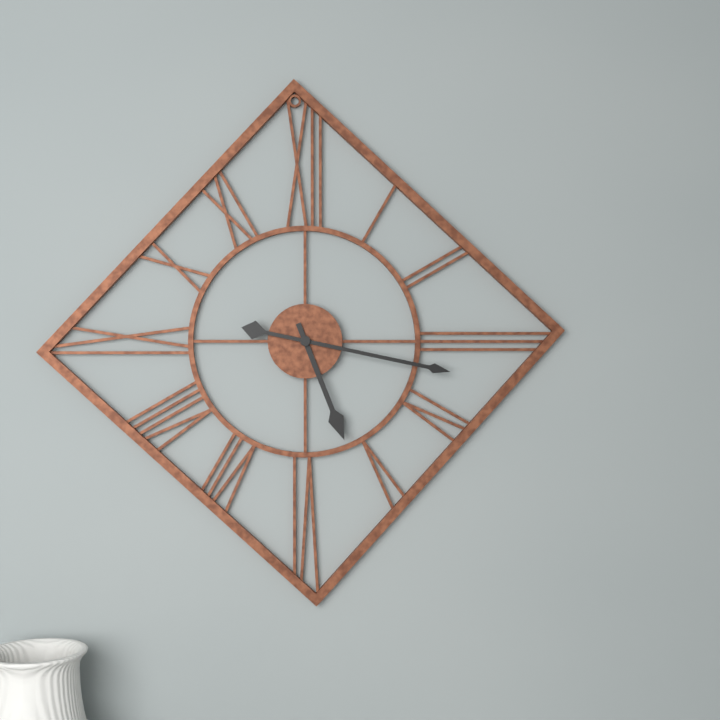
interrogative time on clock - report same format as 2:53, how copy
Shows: 5:17
